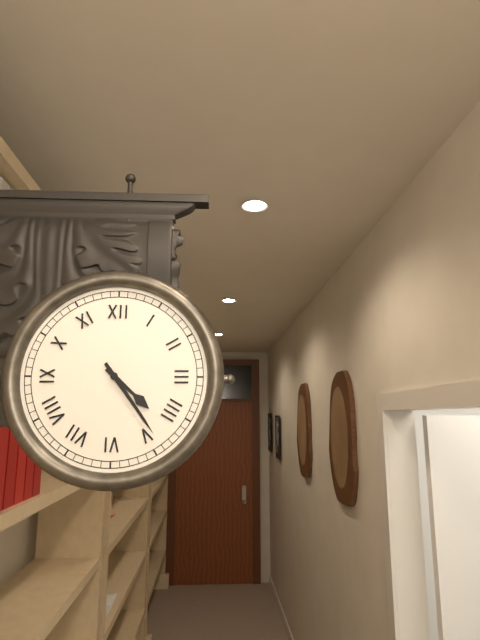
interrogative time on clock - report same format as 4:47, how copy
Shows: 4:24
